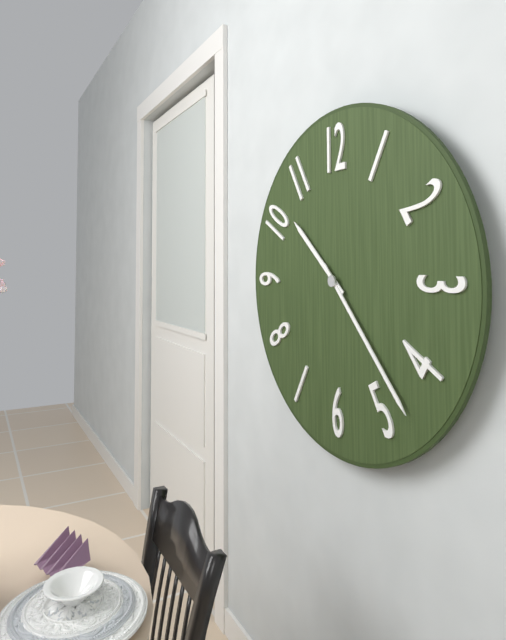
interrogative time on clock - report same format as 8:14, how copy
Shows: 10:23
